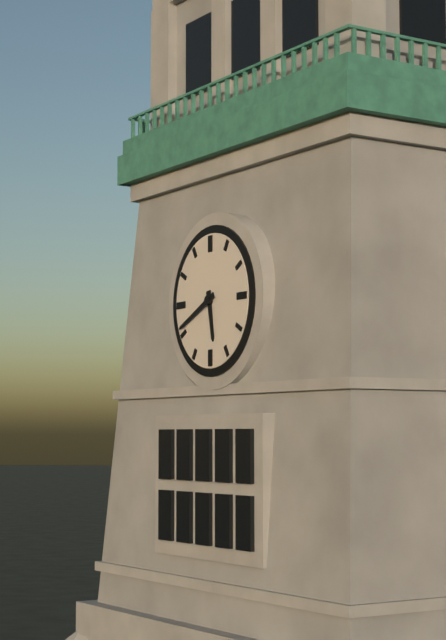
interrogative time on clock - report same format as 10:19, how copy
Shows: 5:41
